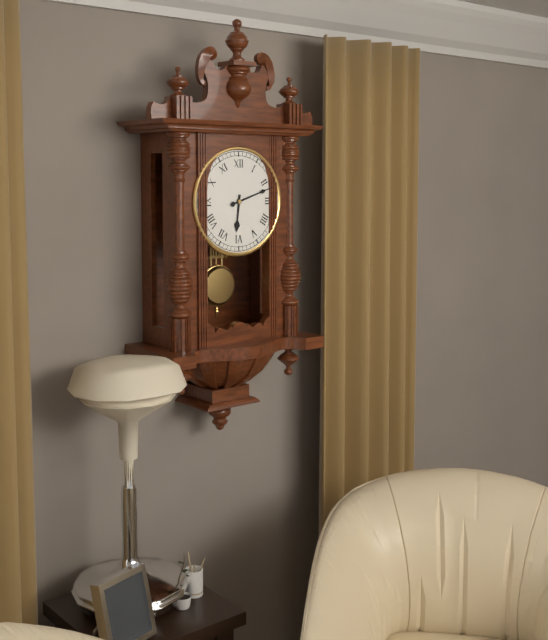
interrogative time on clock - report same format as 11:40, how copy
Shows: 6:12
